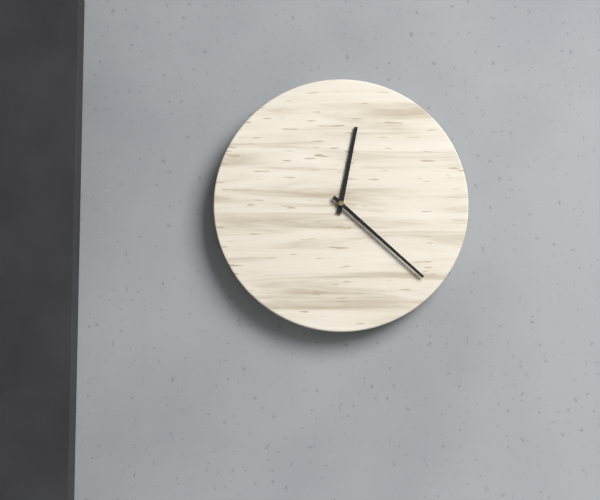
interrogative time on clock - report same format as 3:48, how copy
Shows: 12:22
